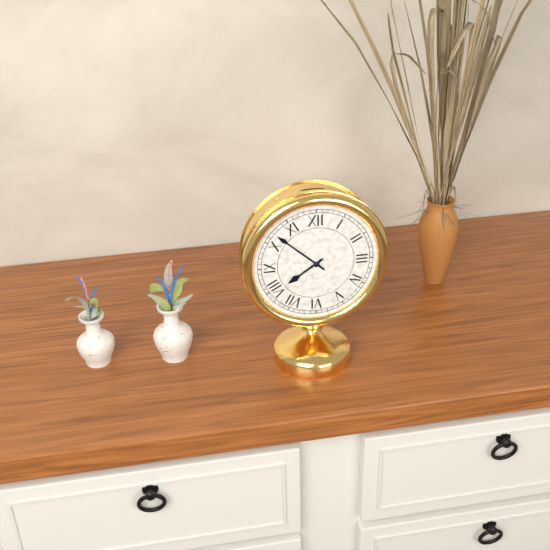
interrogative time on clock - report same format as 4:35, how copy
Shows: 7:52
